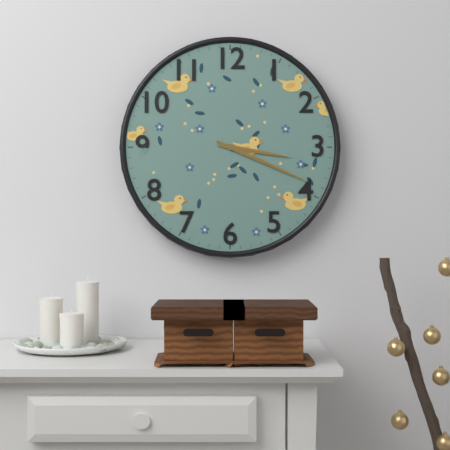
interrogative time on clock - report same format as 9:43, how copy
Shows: 3:19
